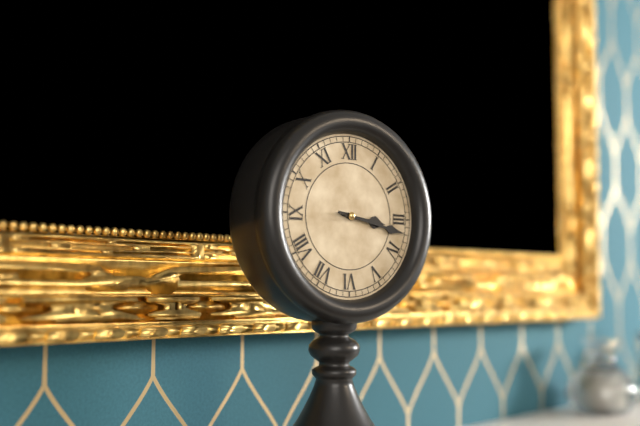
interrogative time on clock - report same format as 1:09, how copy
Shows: 3:17
